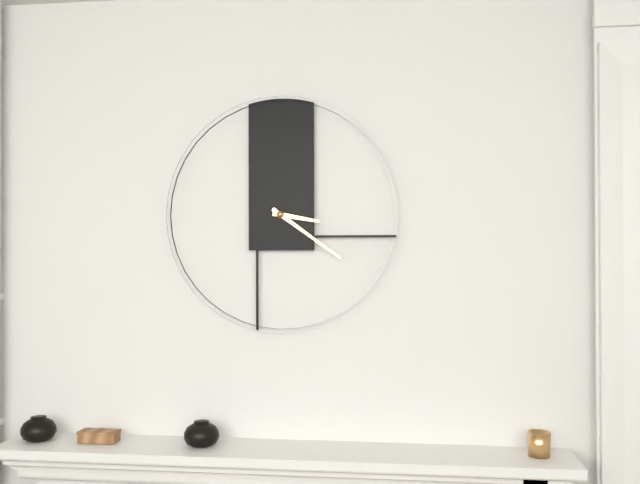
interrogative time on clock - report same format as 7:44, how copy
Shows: 3:21
